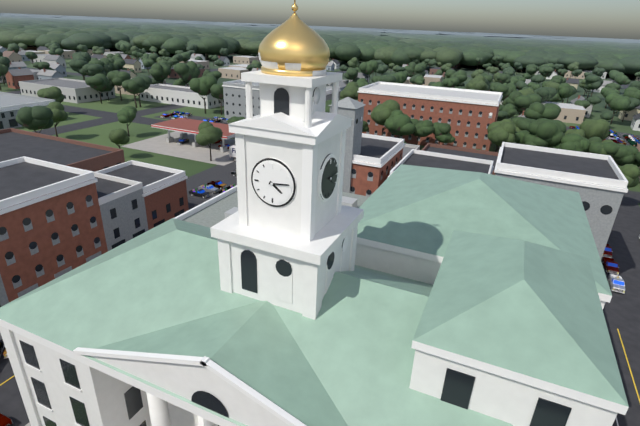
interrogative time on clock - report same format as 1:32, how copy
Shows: 4:14
